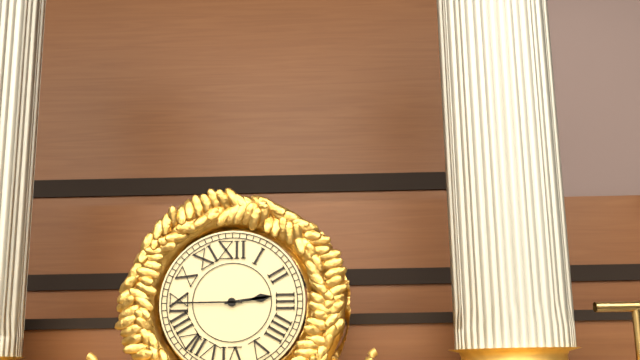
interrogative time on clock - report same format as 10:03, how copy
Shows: 2:45
